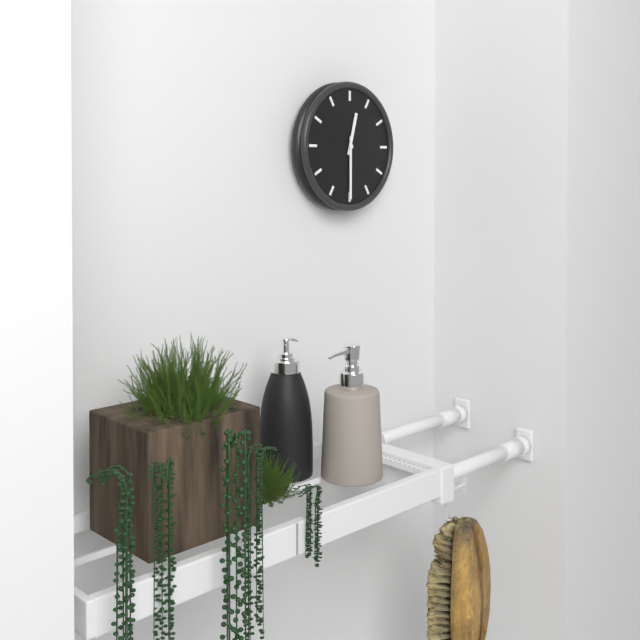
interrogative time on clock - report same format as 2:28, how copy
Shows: 12:30
